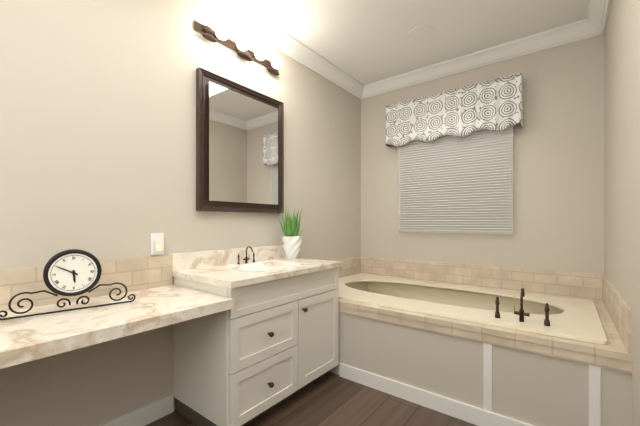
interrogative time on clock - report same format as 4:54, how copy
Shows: 5:50
